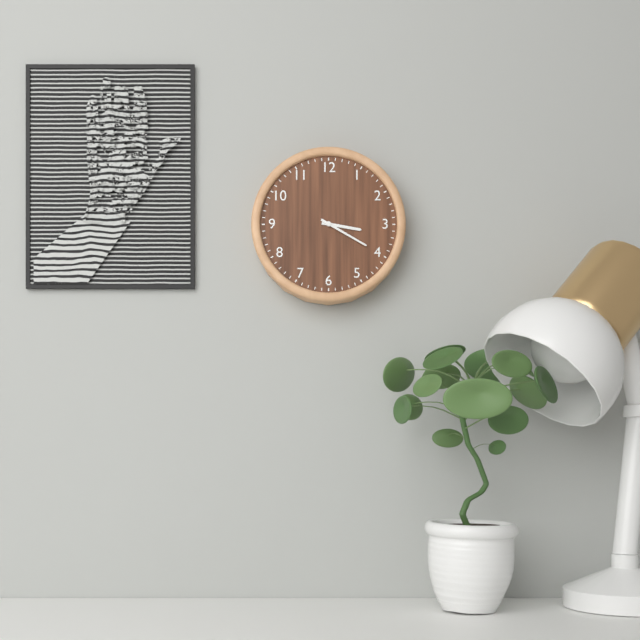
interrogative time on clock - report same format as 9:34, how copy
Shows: 3:20
